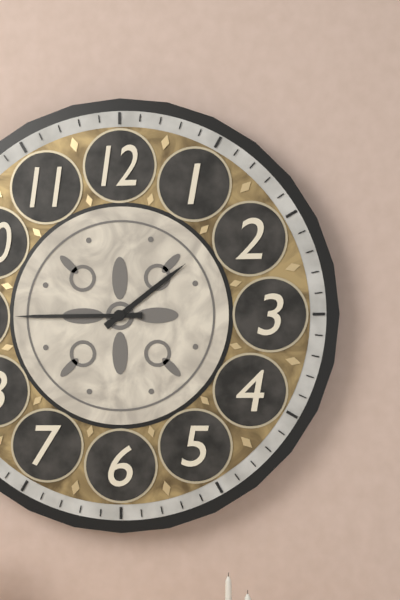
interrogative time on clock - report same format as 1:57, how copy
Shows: 1:45
